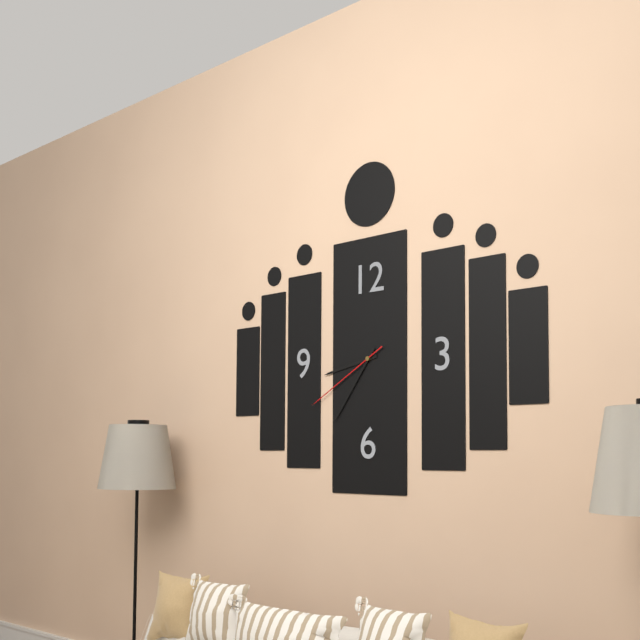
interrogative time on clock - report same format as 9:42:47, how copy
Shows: 8:36:40
